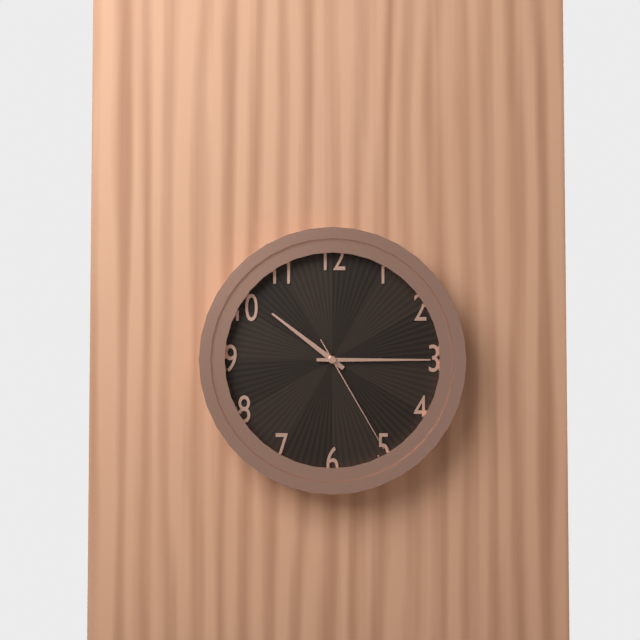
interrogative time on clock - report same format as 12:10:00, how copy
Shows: 10:15:25
